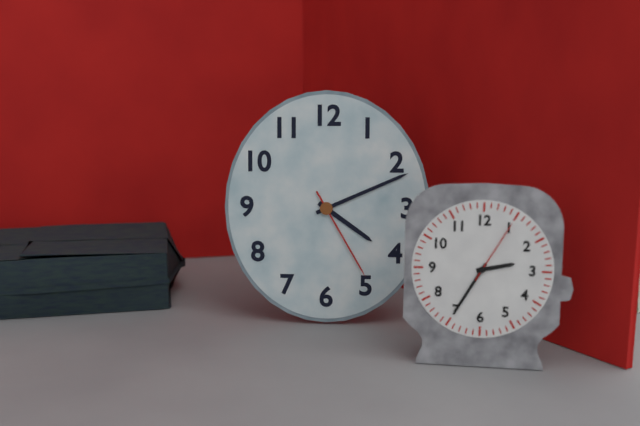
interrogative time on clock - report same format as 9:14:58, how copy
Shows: 4:11:25
